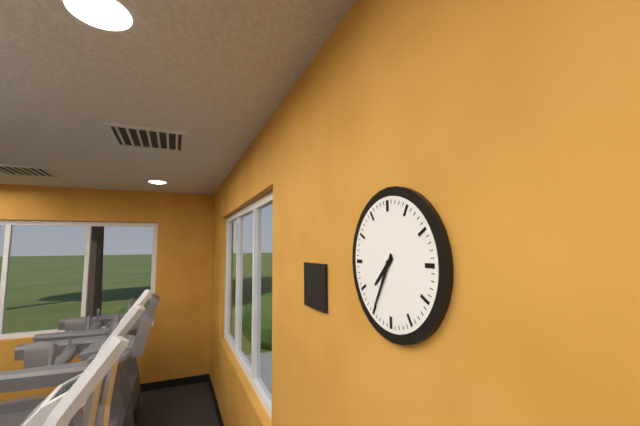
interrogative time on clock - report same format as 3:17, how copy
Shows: 7:35
